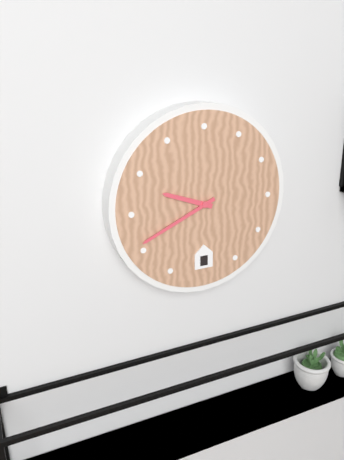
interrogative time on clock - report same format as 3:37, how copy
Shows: 9:41
